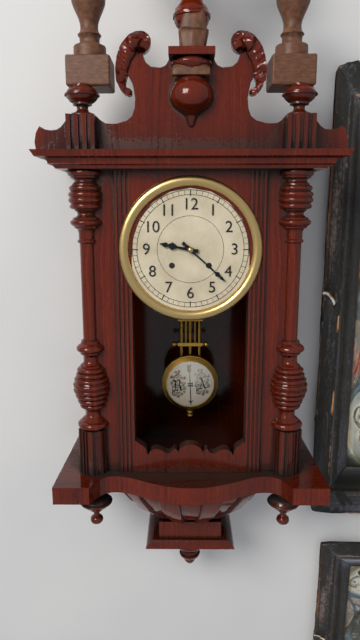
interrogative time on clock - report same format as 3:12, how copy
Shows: 9:22
